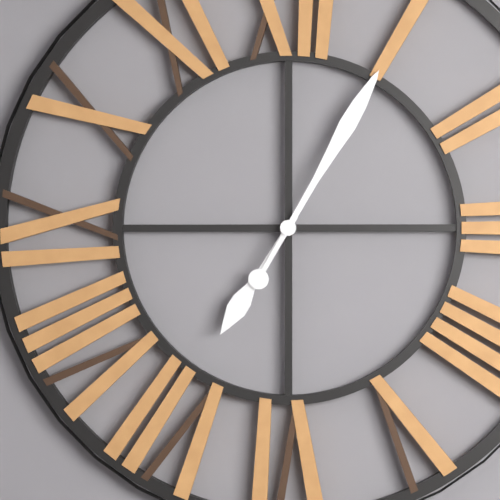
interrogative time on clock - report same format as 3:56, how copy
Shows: 7:05
